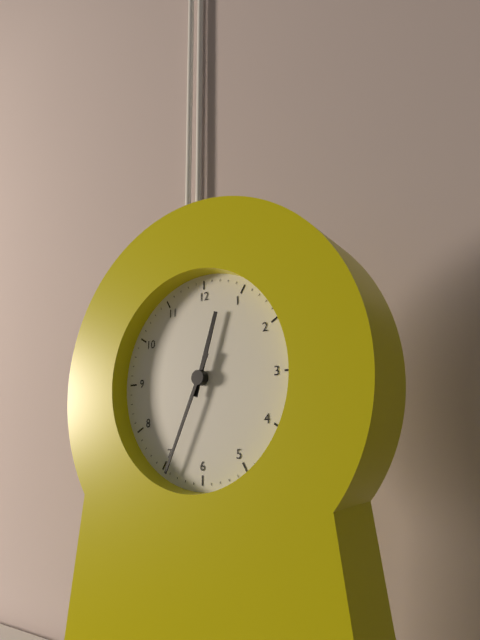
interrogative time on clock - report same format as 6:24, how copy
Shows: 12:34
